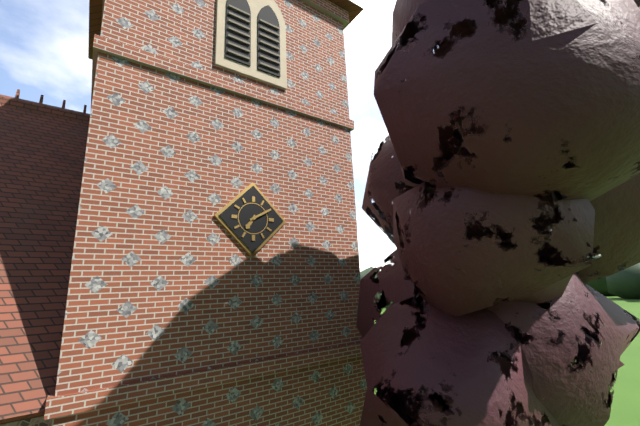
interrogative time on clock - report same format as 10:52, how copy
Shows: 7:10
